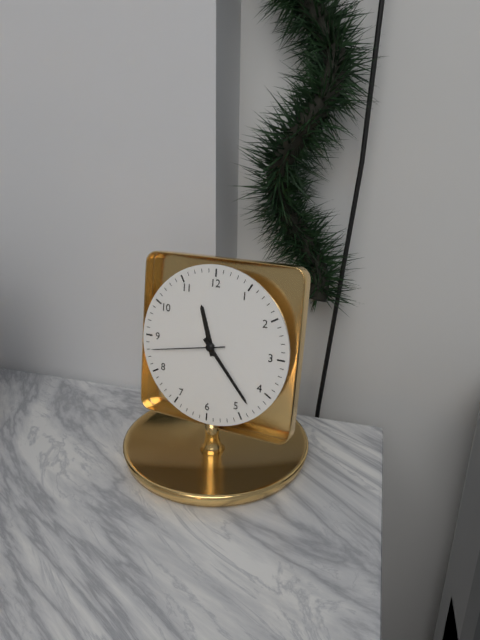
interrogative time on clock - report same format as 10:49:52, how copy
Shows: 11:23:43
